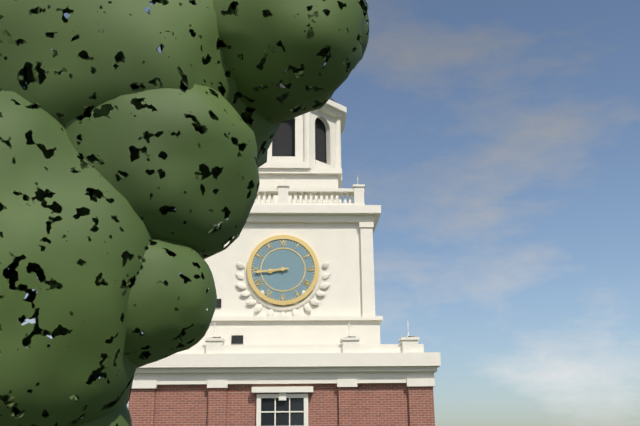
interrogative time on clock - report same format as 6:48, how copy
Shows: 8:44
